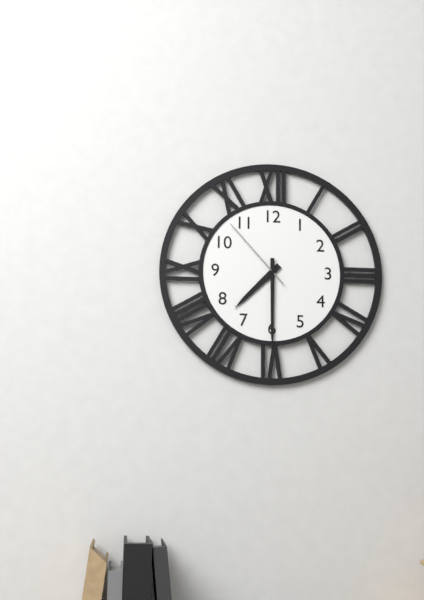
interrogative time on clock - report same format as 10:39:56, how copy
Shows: 7:30:53
